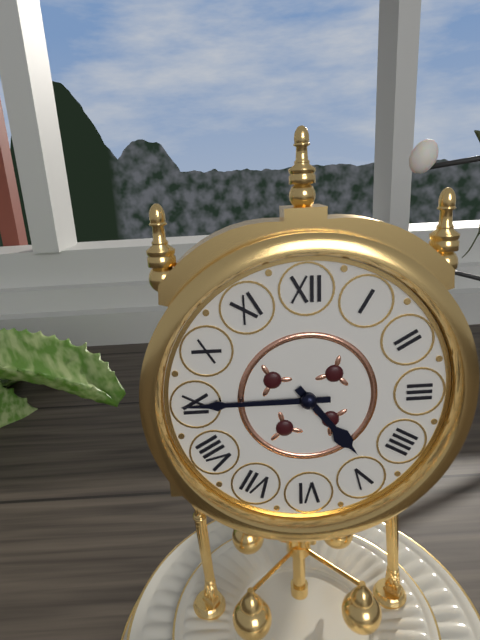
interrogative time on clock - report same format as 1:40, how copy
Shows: 4:45
